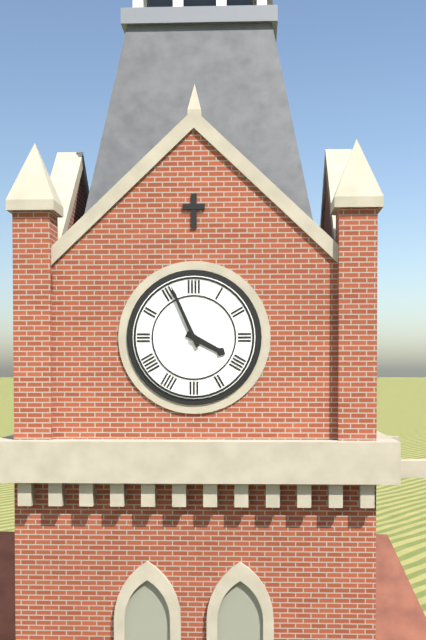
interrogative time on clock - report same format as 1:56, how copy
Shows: 3:56
